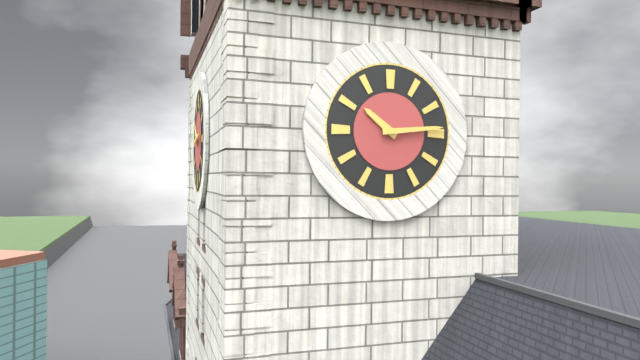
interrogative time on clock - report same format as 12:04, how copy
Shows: 10:14
